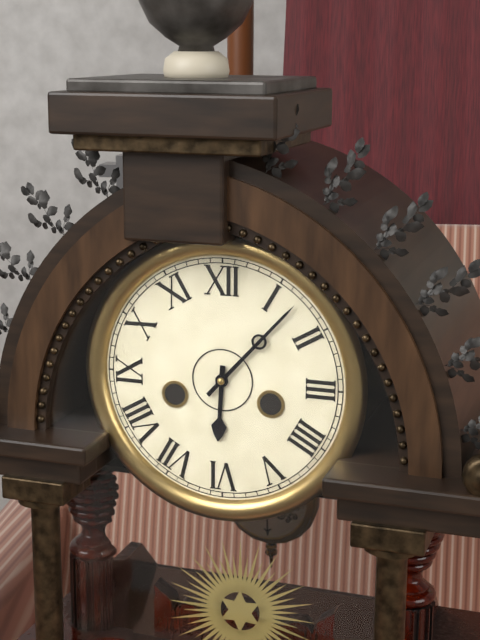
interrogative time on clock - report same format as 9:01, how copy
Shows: 6:07
